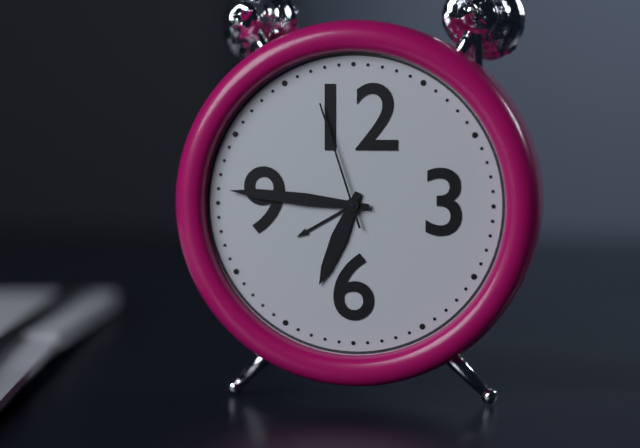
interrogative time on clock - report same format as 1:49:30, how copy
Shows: 6:46:57
